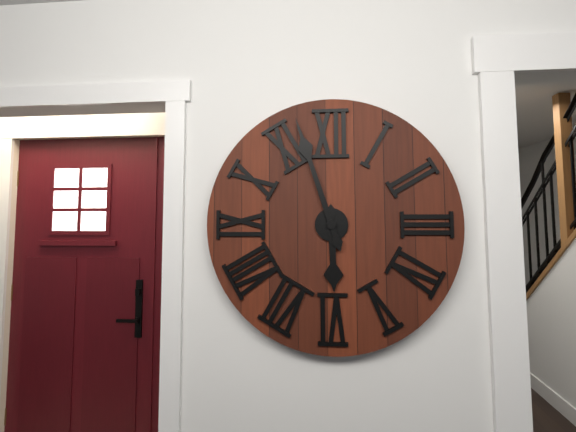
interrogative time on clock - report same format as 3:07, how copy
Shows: 5:57
